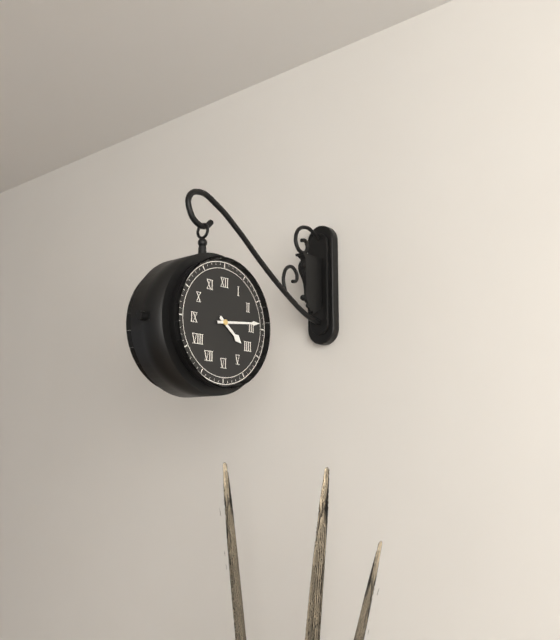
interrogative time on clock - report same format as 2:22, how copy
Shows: 4:14
